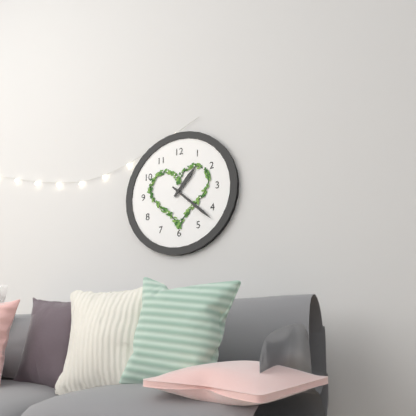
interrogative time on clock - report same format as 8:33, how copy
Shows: 1:22
